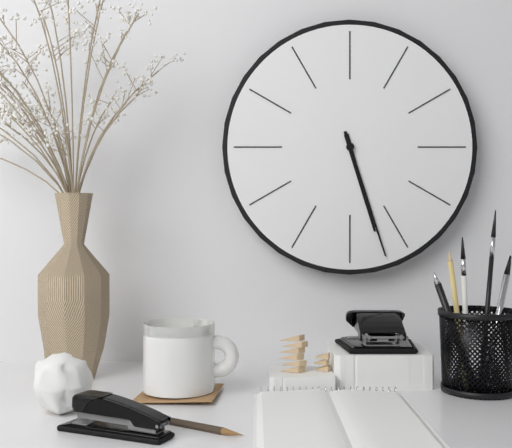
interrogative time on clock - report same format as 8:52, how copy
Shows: 5:27
